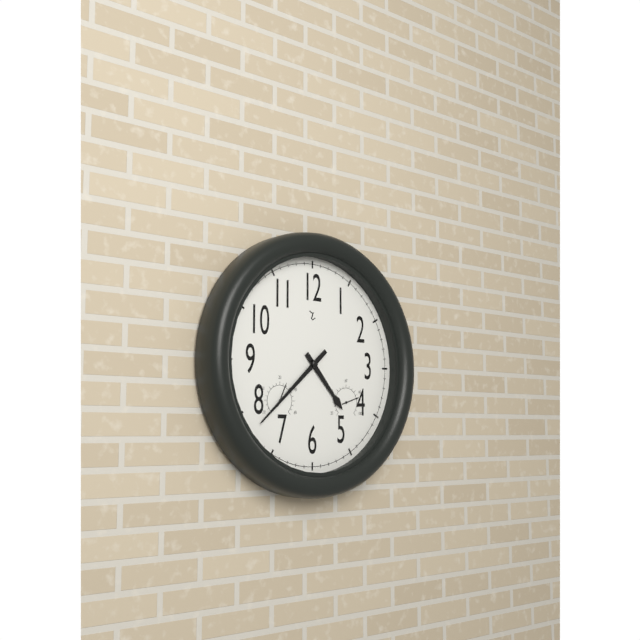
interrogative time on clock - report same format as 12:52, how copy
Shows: 4:38
